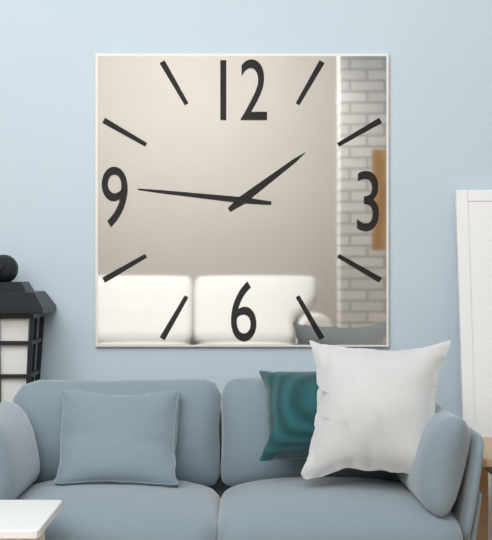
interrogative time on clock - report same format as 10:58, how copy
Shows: 1:46
